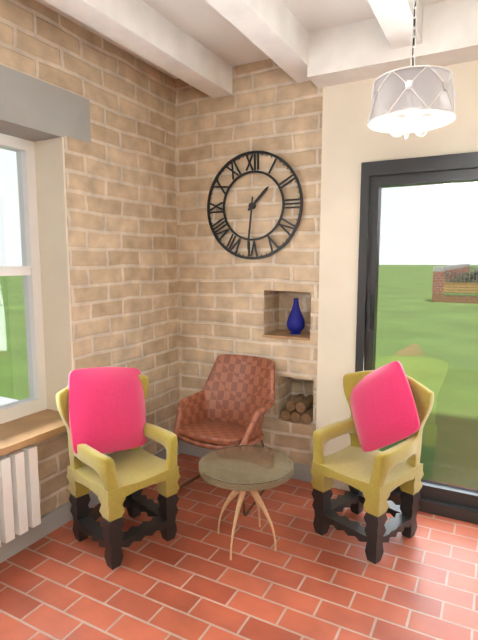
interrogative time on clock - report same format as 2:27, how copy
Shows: 1:31
